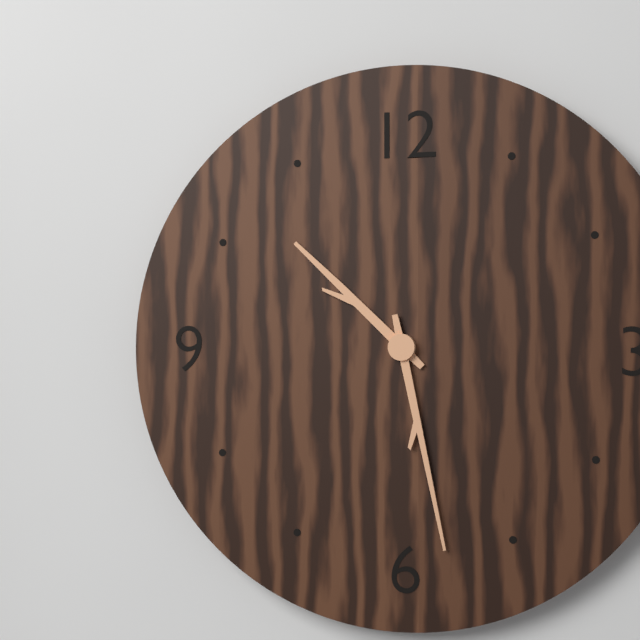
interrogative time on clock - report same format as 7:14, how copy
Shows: 10:28
